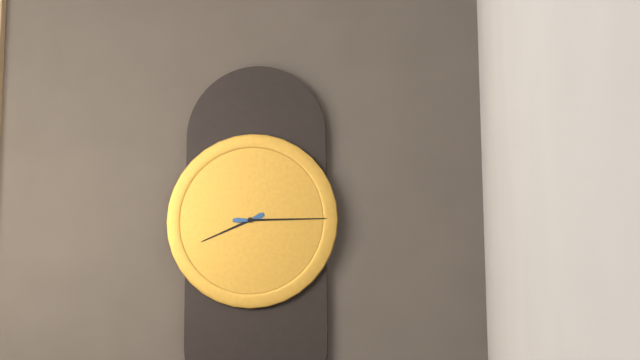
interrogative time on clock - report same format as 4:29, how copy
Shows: 8:15
